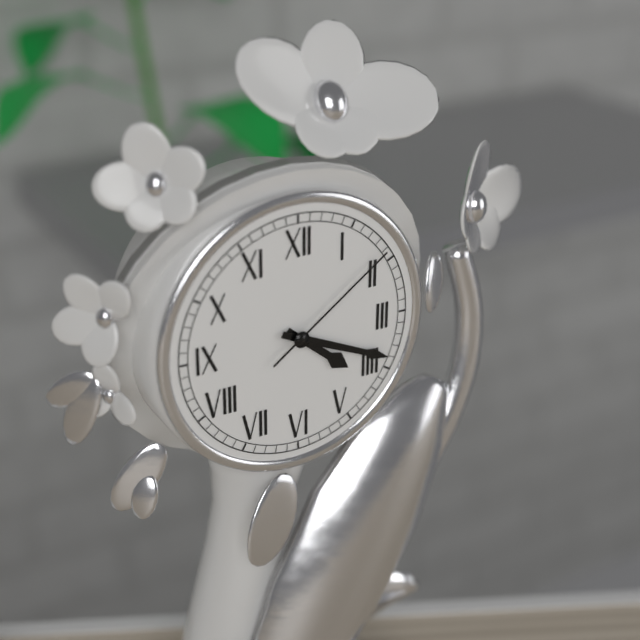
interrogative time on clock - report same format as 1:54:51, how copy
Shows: 4:19:09
